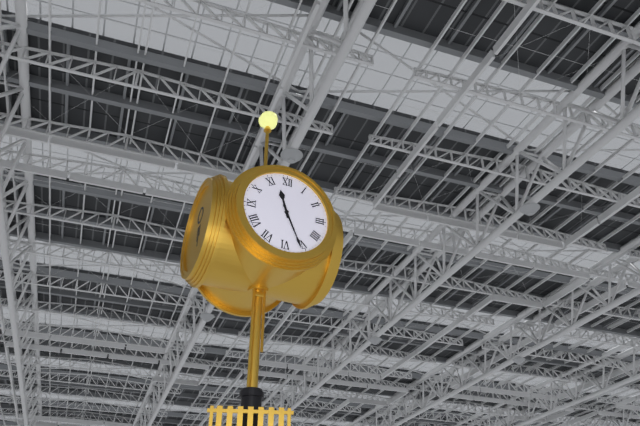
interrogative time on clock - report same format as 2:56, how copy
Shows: 11:26
